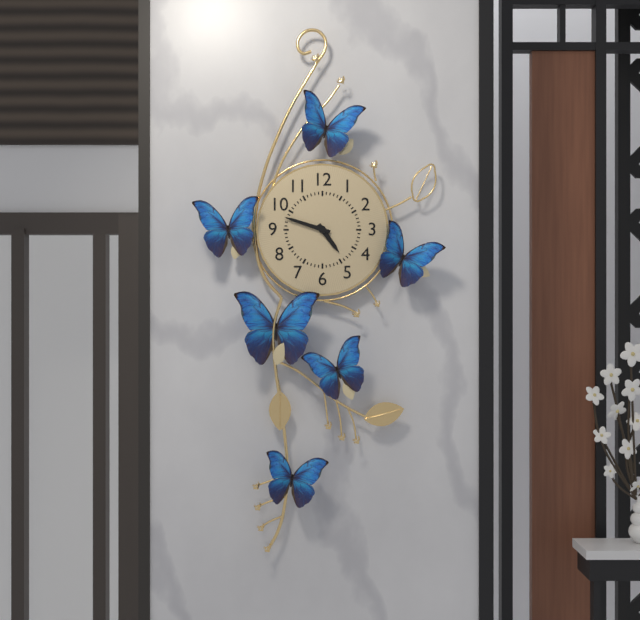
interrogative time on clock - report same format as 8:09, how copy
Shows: 4:48
